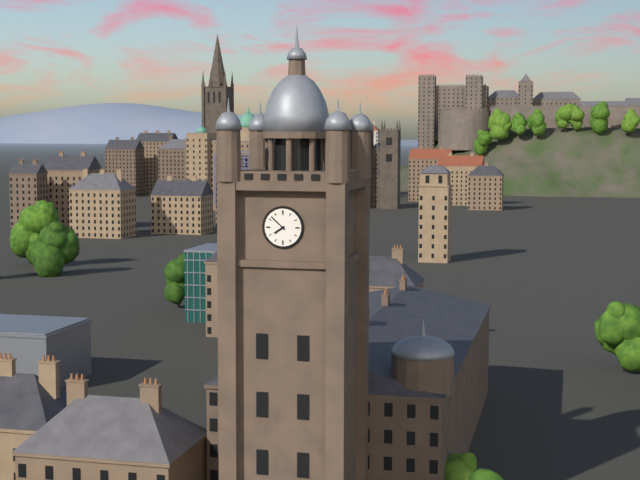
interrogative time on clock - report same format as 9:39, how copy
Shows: 7:52
